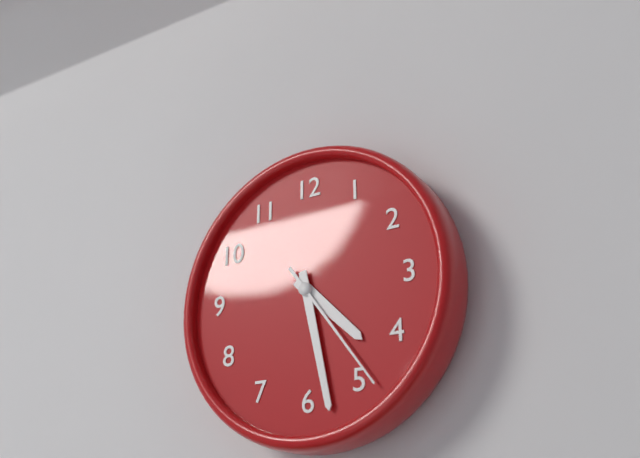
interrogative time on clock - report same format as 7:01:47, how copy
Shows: 4:28:24
